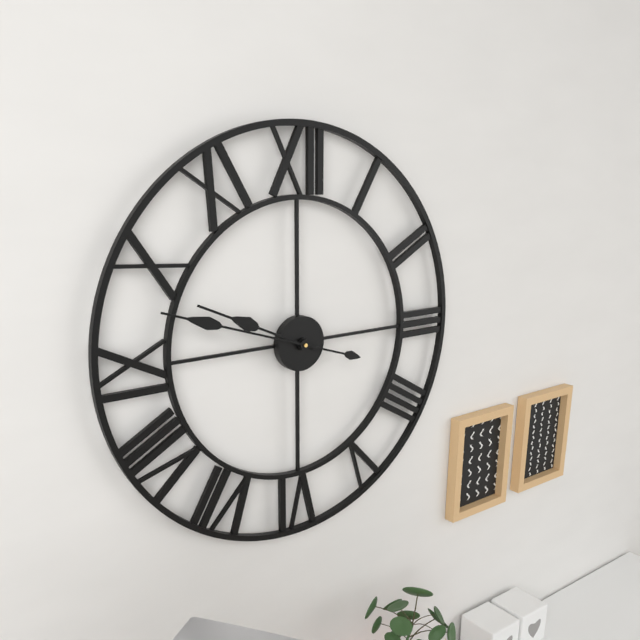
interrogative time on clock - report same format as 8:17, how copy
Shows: 9:48
